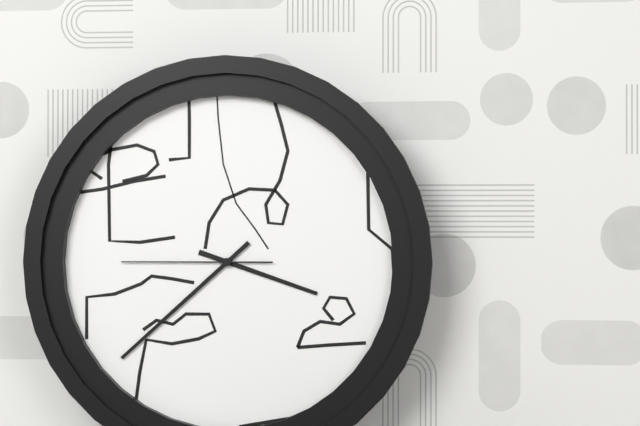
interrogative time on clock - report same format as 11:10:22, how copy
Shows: 3:38:45
